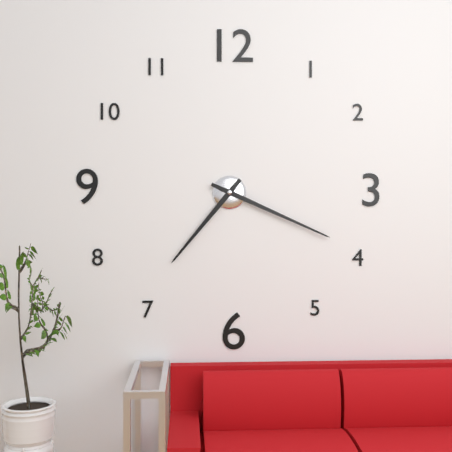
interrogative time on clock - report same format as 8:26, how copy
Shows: 7:19
